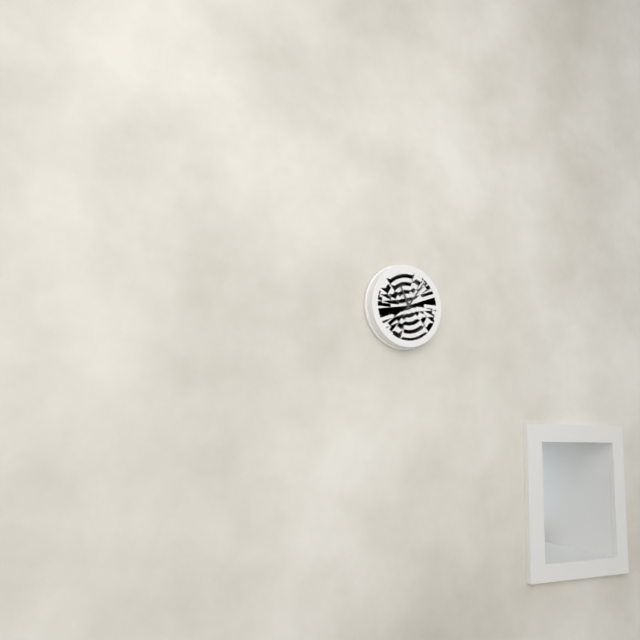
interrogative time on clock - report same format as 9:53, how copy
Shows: 11:06
